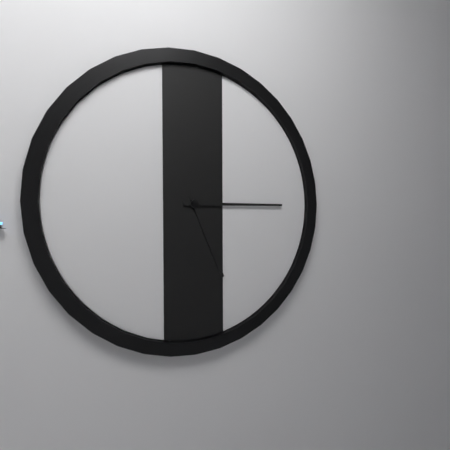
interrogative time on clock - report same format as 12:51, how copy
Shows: 5:15
